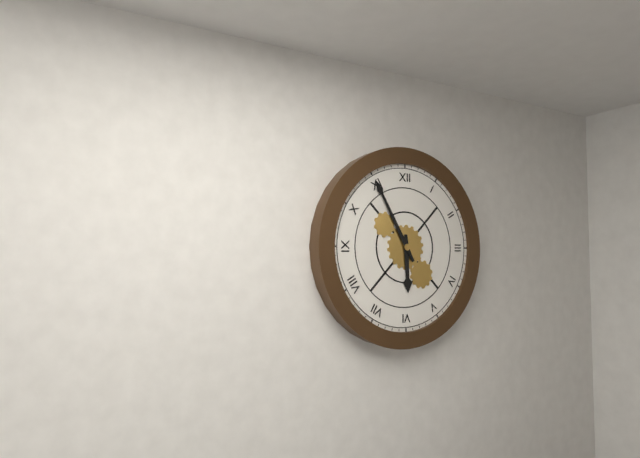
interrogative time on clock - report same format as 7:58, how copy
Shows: 5:55
